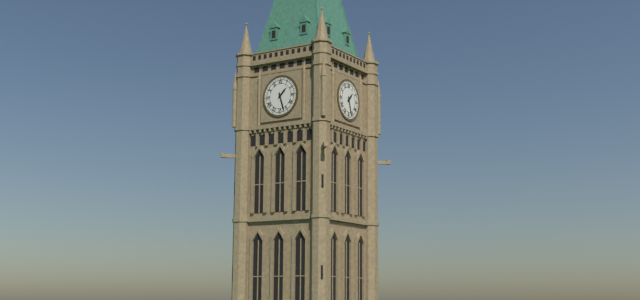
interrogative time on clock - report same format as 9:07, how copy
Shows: 1:27
